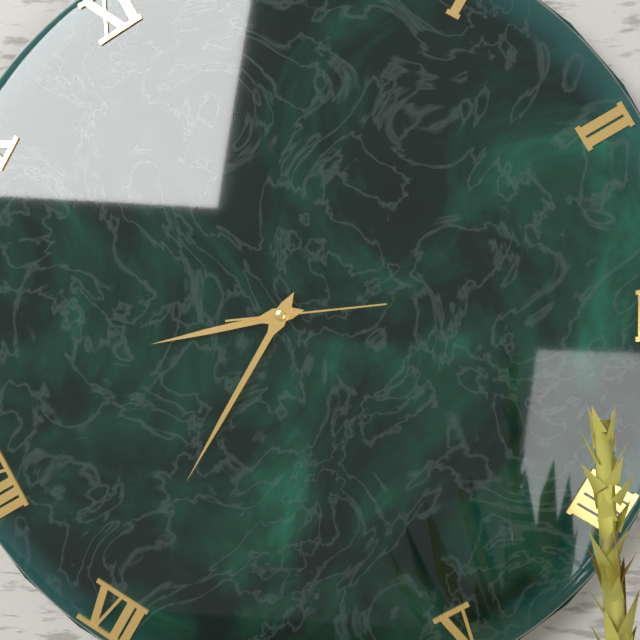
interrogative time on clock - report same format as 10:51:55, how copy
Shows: 8:35:14
